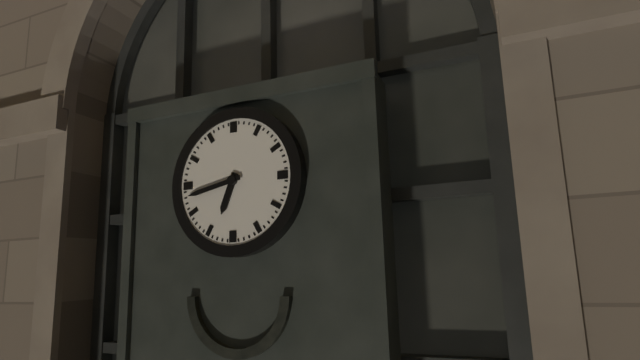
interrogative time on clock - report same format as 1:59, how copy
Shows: 6:43
